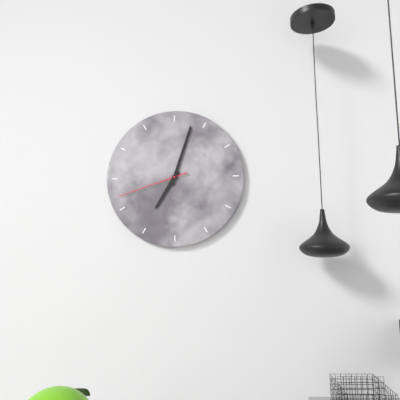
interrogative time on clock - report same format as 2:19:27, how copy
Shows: 7:03:42
